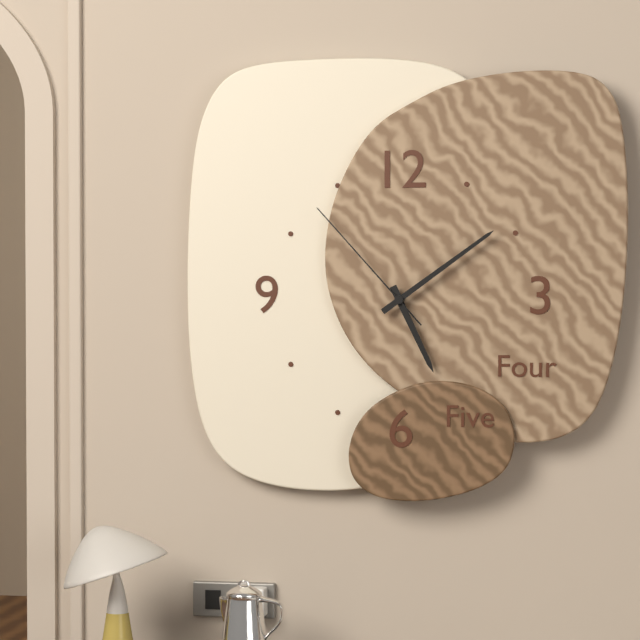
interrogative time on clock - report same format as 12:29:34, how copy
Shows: 5:09:53
